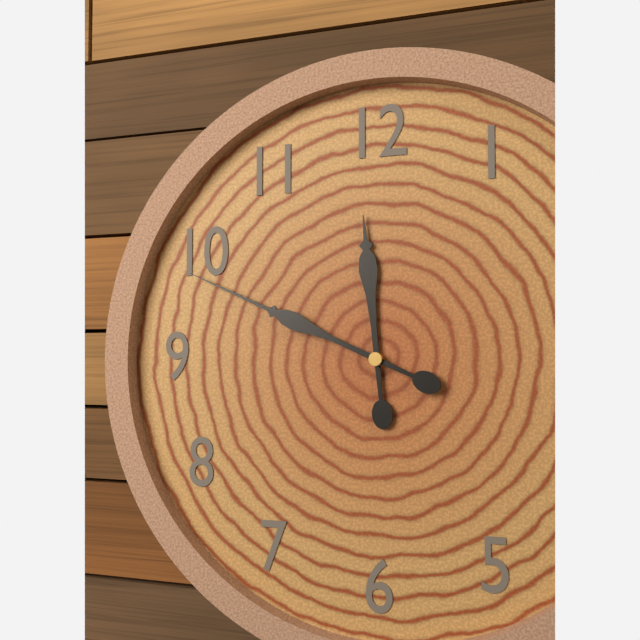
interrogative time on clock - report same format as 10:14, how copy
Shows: 11:49
